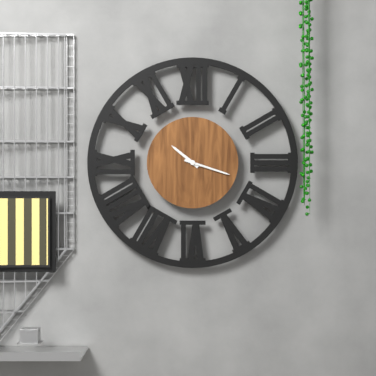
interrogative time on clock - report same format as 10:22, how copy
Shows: 10:18
